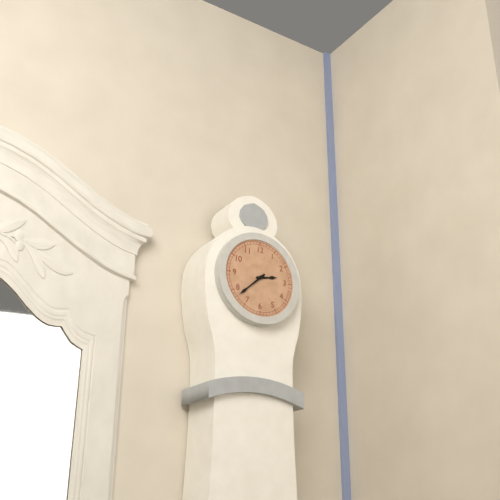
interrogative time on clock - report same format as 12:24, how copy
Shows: 2:38
